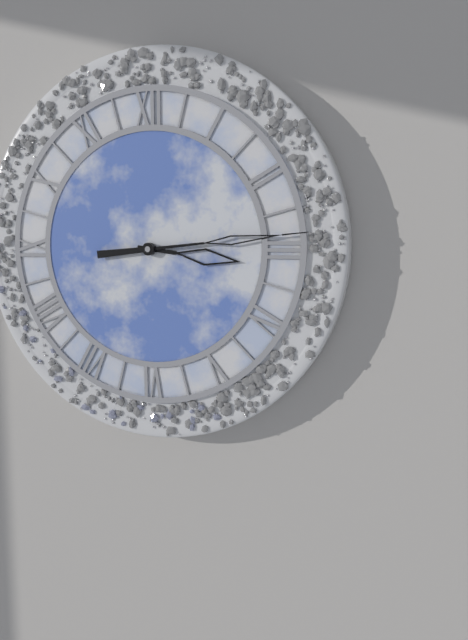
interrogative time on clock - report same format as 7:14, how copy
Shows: 3:14
